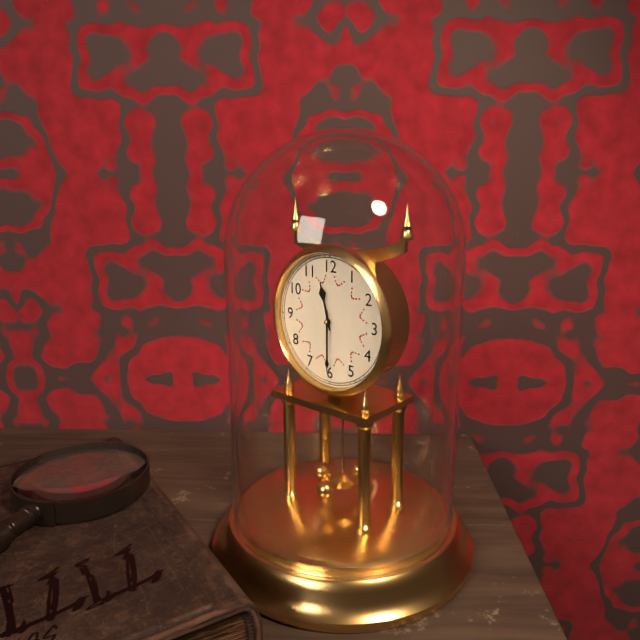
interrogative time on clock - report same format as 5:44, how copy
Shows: 11:30
